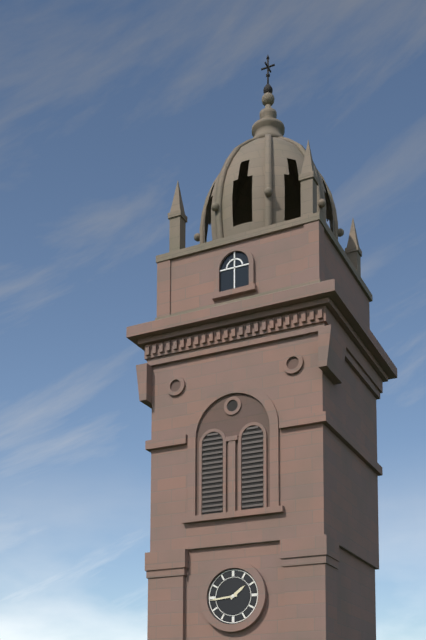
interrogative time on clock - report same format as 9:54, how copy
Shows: 1:44
